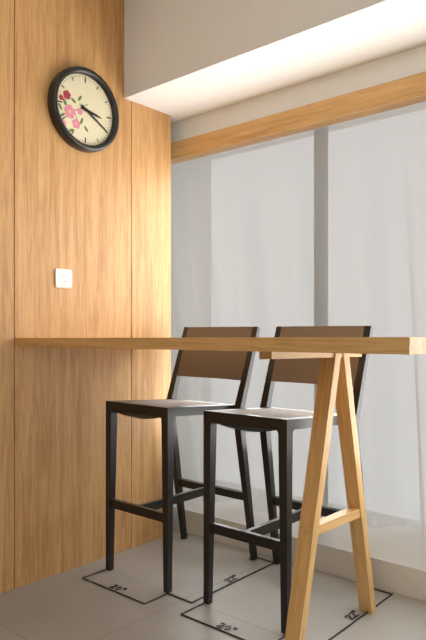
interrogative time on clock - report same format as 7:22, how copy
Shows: 3:20
